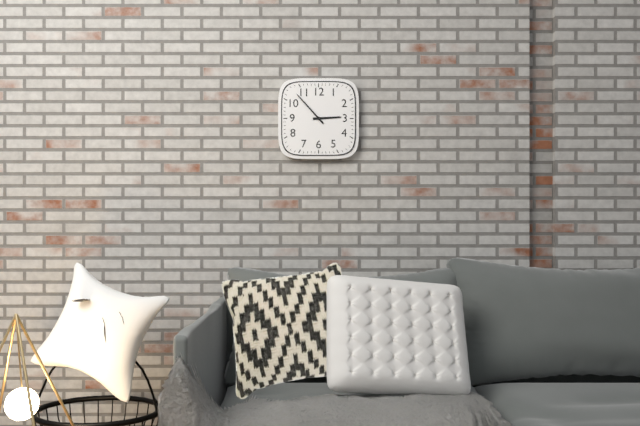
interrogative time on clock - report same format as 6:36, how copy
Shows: 2:53
